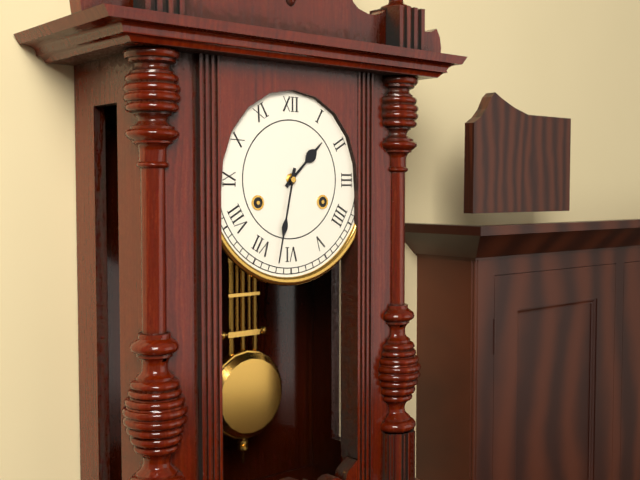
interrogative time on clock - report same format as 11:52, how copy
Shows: 1:32
